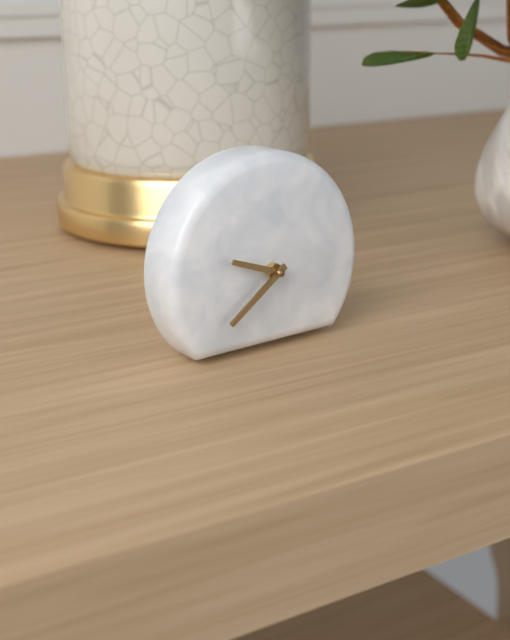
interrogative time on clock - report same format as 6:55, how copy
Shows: 9:39
